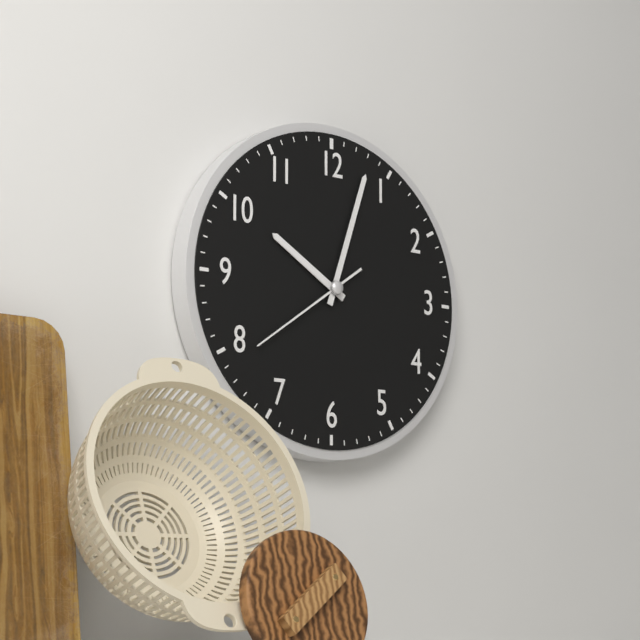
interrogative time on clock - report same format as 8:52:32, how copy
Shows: 10:03:39
